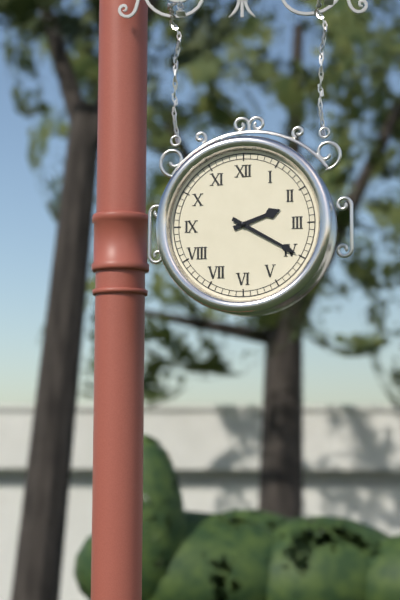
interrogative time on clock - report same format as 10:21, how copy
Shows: 2:20
